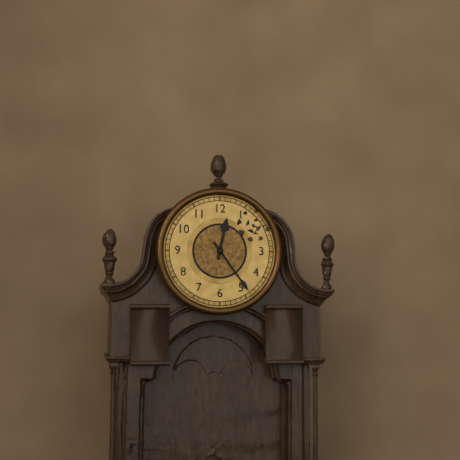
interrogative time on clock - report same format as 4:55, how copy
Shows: 12:24
